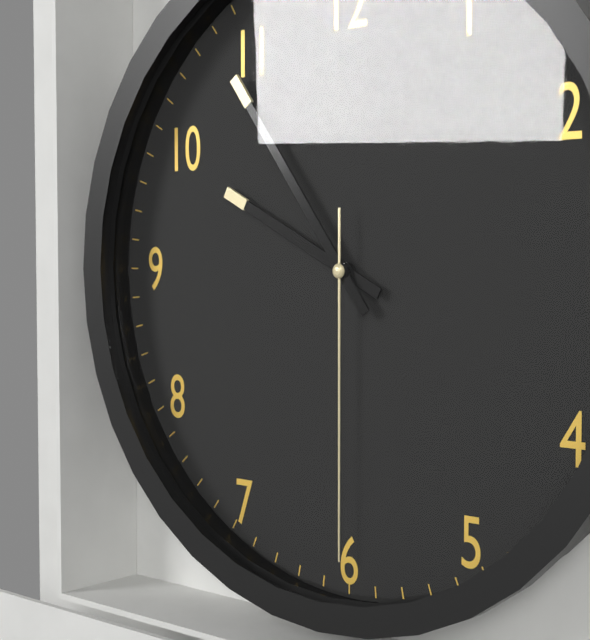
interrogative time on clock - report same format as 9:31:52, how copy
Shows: 9:54:30
